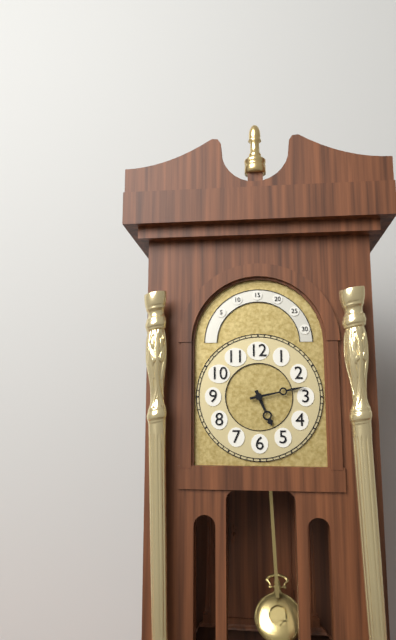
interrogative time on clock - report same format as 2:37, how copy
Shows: 5:13
